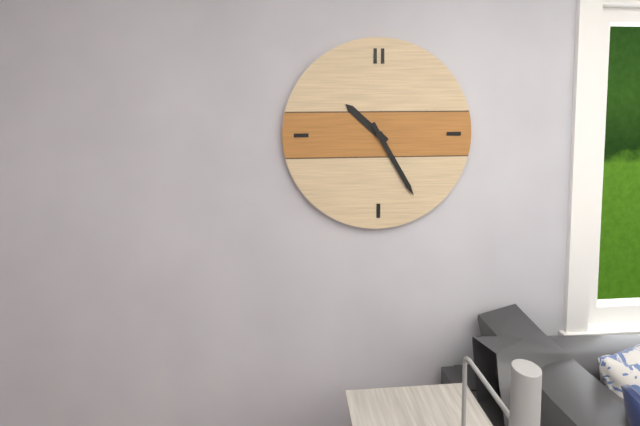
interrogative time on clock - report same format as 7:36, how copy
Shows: 10:25
